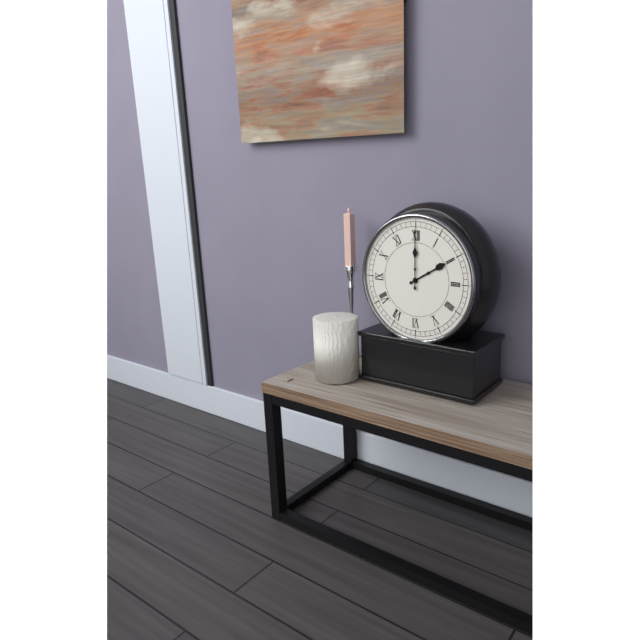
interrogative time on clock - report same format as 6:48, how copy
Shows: 2:00
